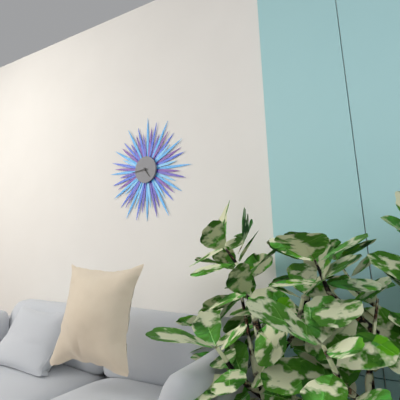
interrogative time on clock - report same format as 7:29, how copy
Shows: 4:44
